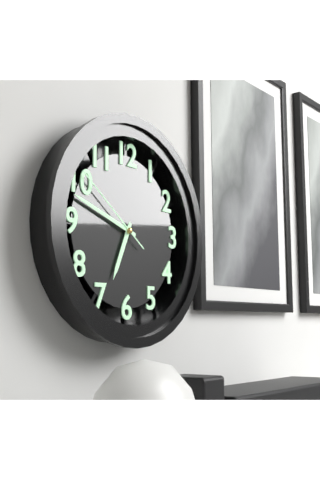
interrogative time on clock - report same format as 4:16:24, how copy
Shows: 6:48:51
